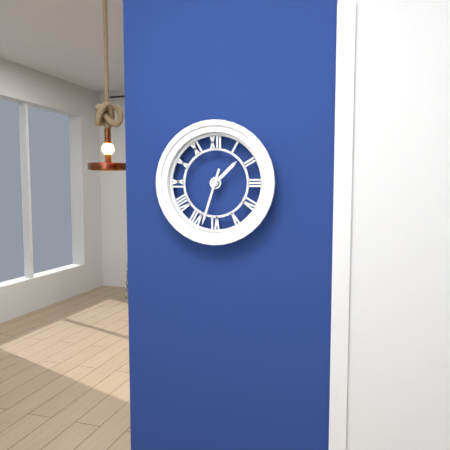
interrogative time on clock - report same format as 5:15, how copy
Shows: 1:33
